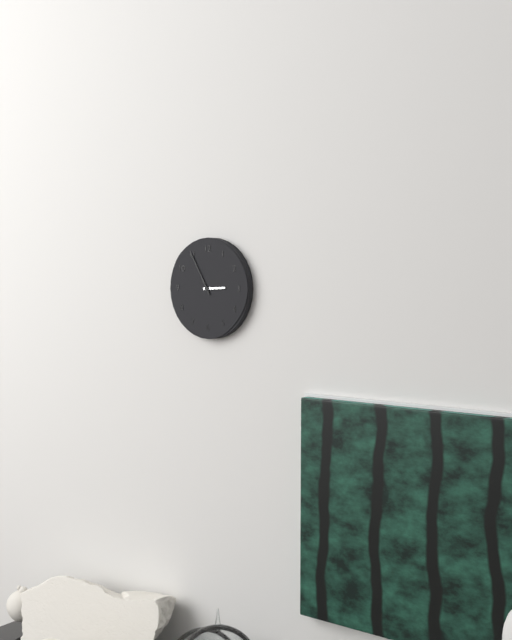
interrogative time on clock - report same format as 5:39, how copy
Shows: 2:55
